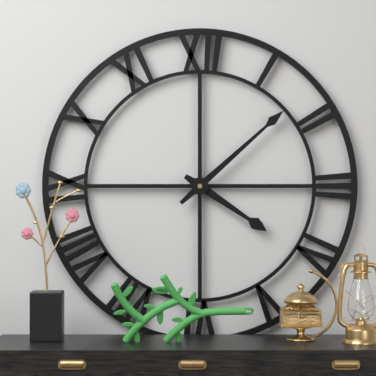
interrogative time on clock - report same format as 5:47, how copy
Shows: 4:08
